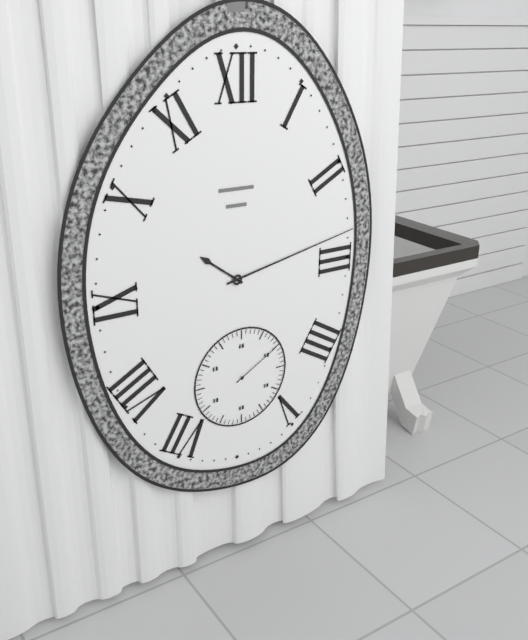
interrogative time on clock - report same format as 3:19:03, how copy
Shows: 10:13:10
